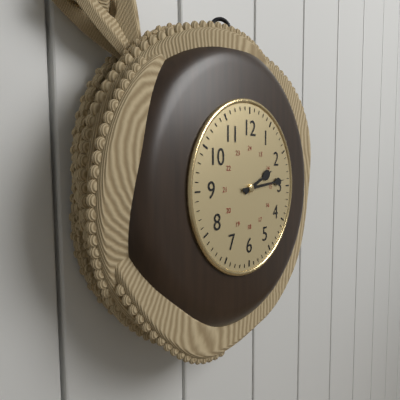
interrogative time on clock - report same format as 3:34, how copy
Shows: 2:14
